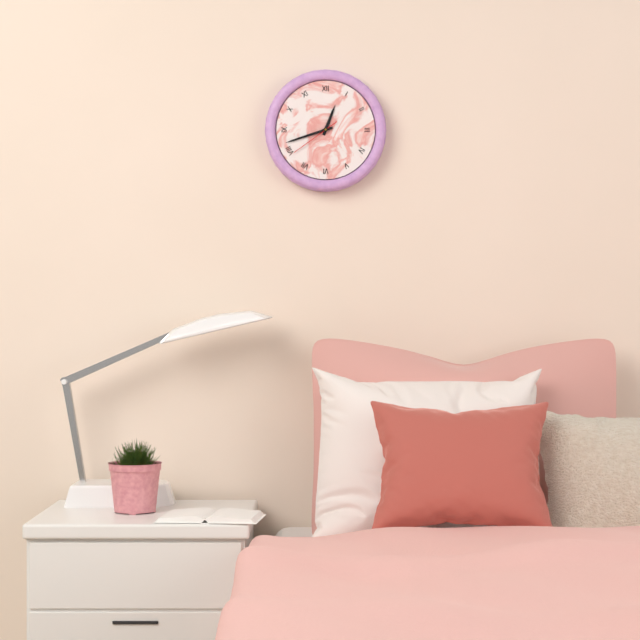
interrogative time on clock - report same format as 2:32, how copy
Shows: 12:42
